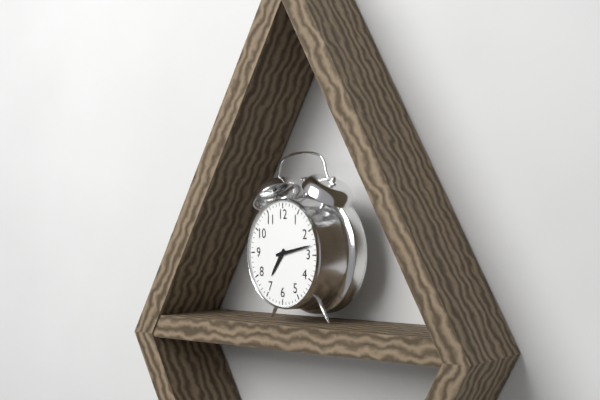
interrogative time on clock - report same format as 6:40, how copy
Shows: 7:13
